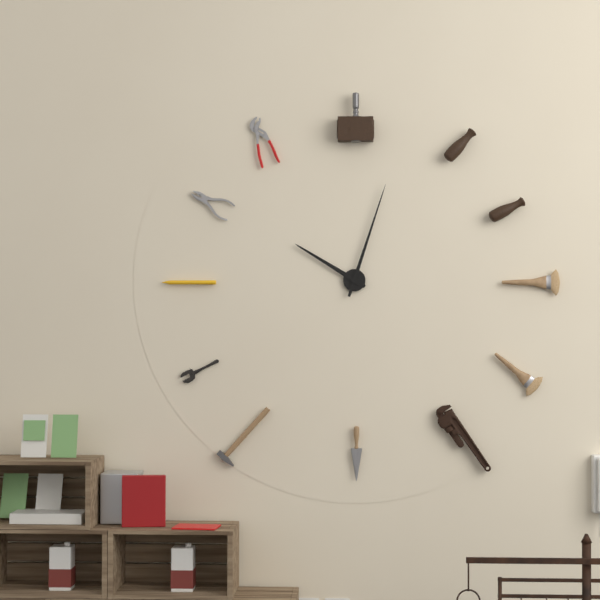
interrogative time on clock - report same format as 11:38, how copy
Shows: 10:03
